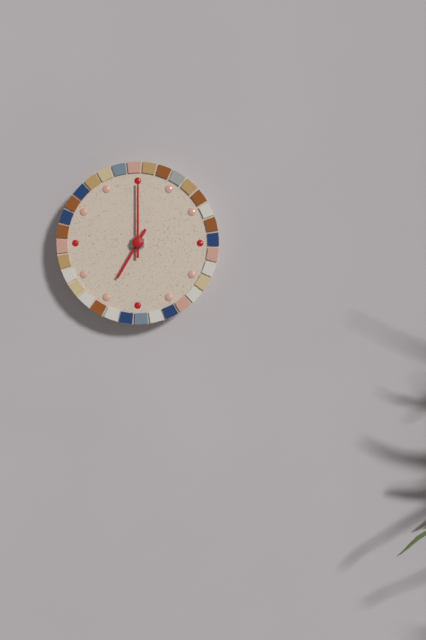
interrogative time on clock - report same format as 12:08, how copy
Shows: 7:00
